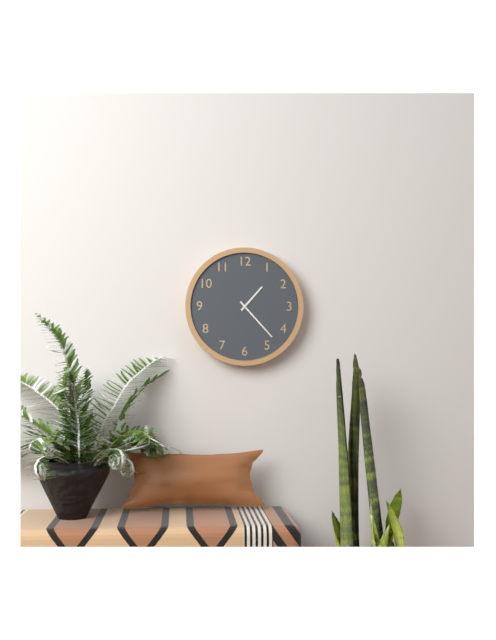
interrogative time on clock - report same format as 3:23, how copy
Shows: 1:23
